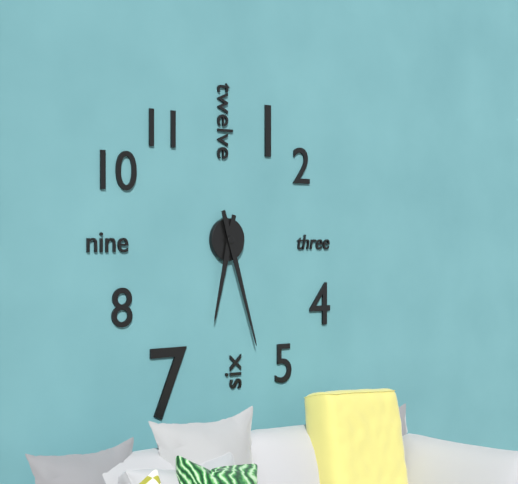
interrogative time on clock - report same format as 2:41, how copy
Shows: 6:27
